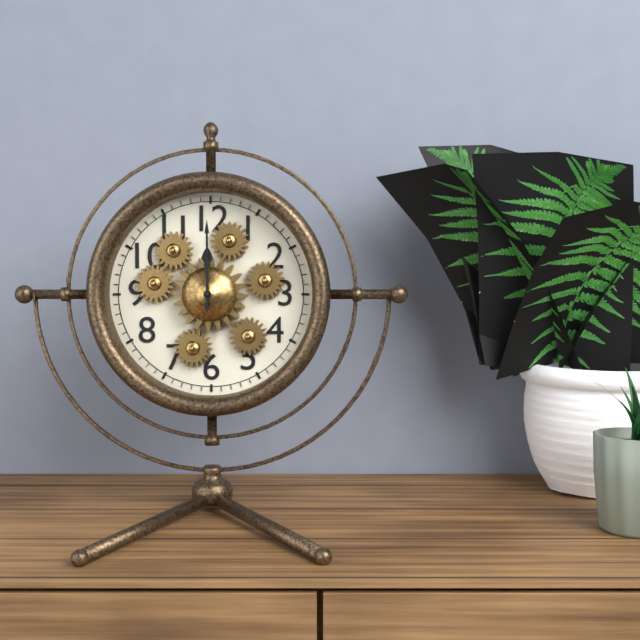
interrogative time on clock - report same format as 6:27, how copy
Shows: 12:00
